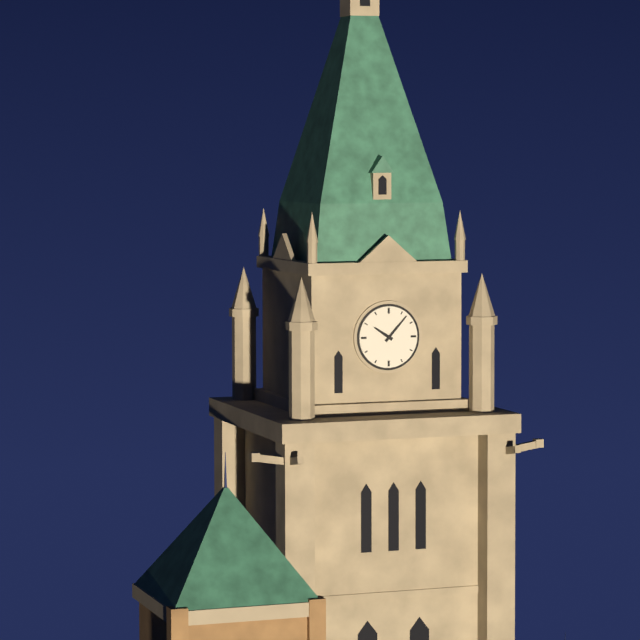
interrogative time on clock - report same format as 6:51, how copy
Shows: 10:07
